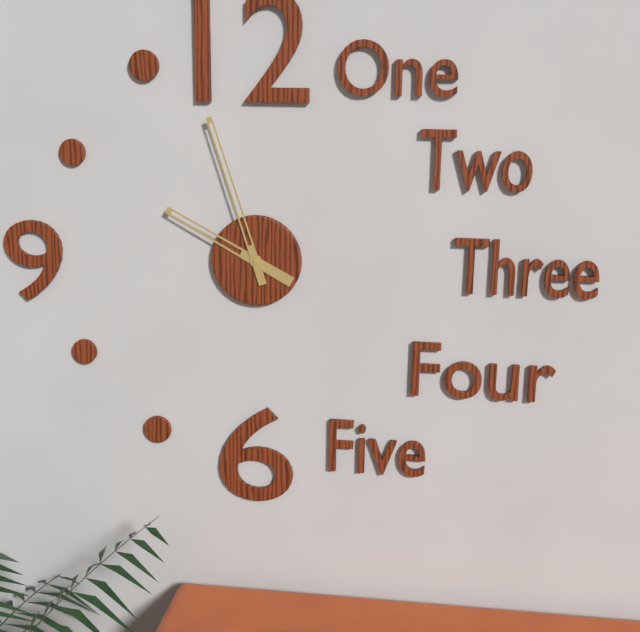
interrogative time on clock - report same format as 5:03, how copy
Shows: 9:57
